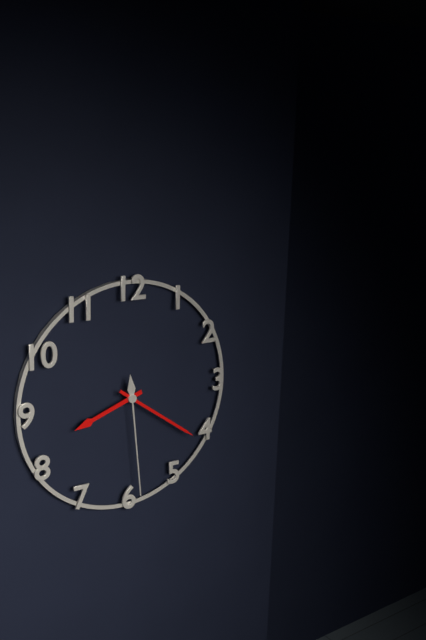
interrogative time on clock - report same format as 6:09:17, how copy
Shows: 8:21:29
